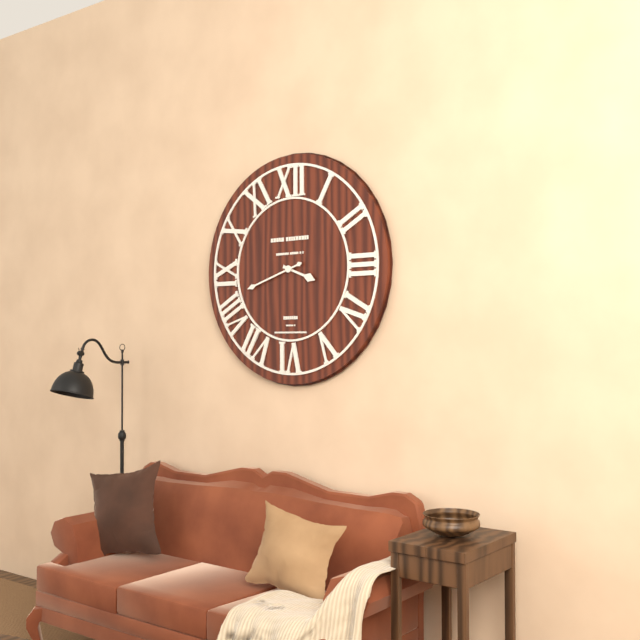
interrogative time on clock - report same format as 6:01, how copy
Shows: 3:42
